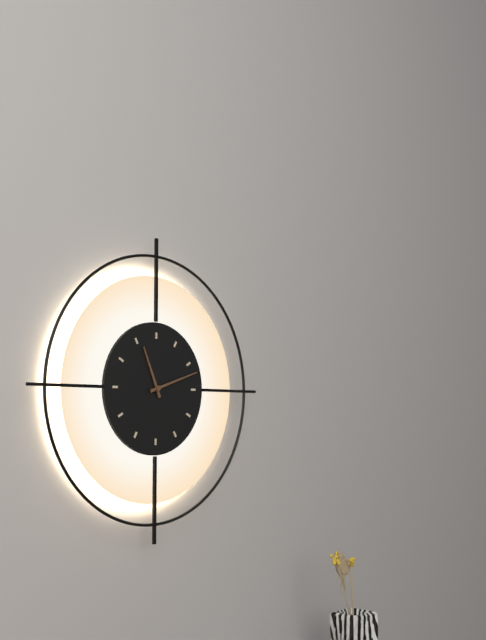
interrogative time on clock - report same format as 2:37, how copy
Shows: 11:12
